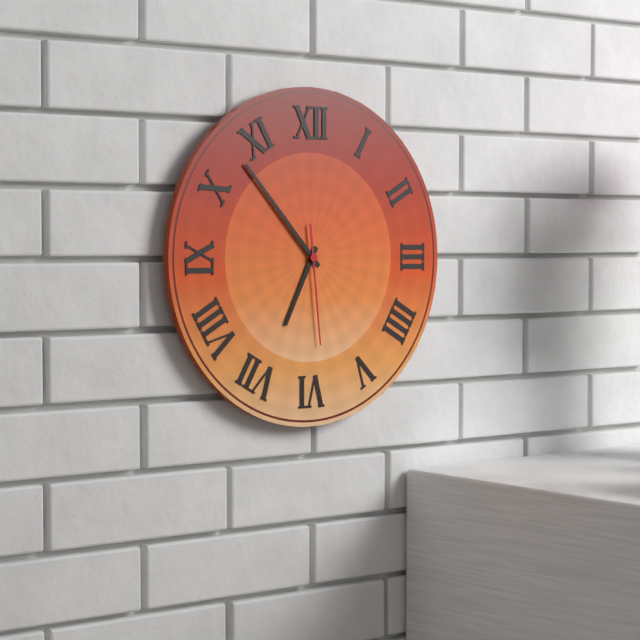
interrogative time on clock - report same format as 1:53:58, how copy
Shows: 6:53:29
